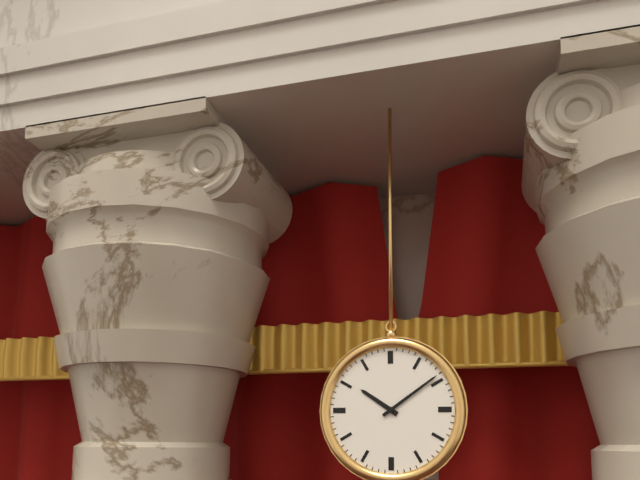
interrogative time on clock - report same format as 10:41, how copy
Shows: 10:09
